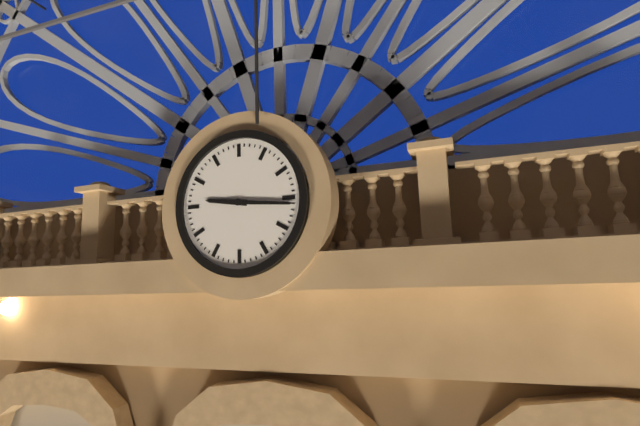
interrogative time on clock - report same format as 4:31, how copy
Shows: 9:16
